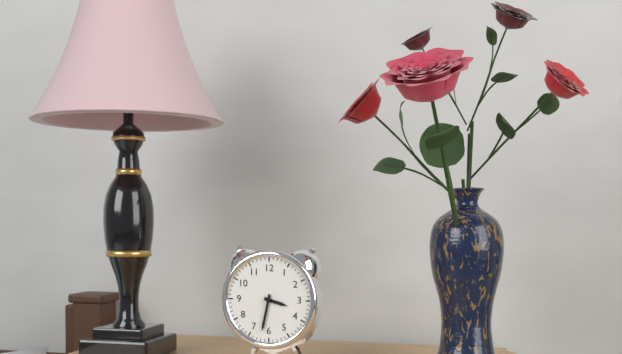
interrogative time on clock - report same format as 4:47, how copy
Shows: 3:32
